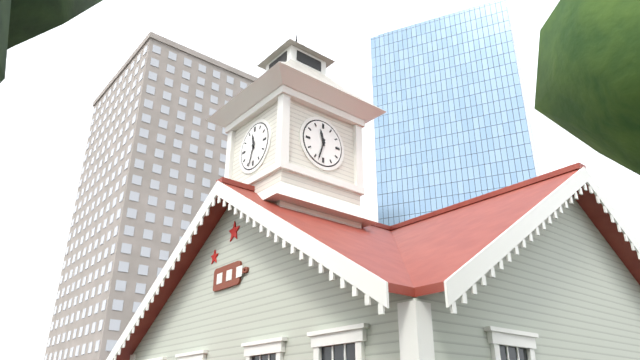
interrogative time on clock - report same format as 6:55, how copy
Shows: 11:33
